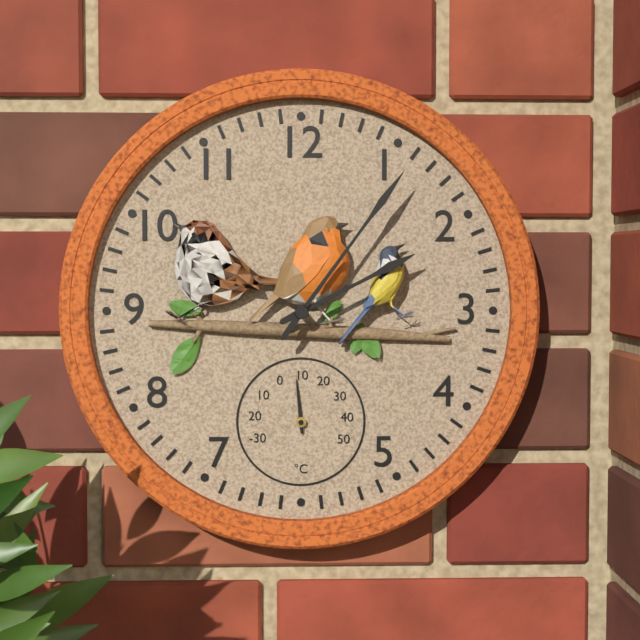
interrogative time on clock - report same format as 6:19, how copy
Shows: 2:06
